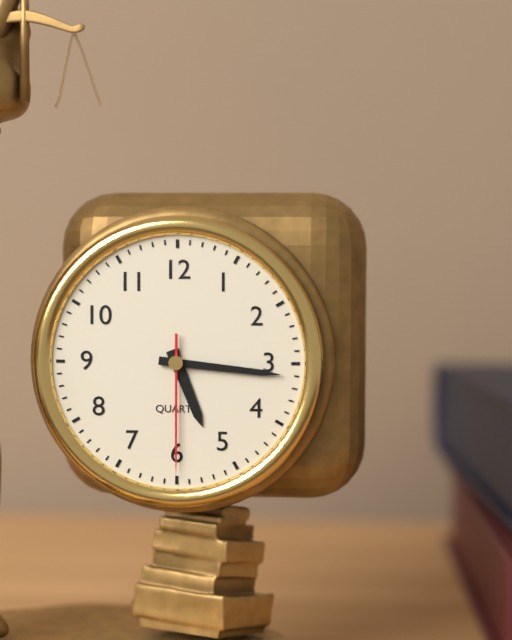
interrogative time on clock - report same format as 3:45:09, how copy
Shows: 5:16:30
